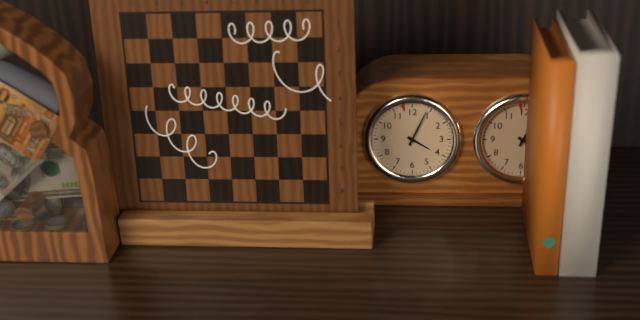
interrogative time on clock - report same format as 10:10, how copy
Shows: 4:04
